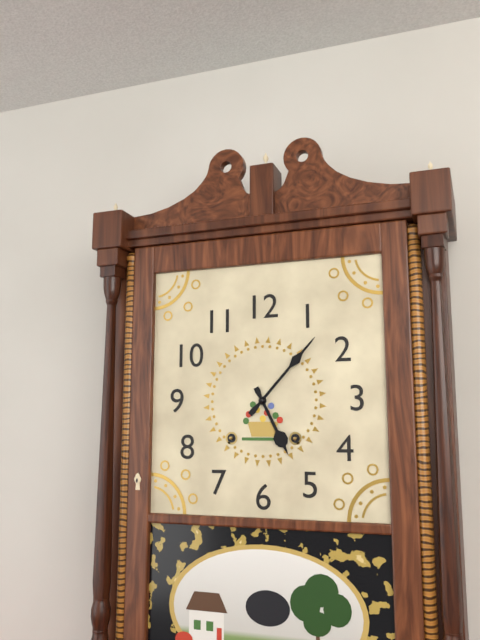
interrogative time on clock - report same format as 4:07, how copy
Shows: 5:07
